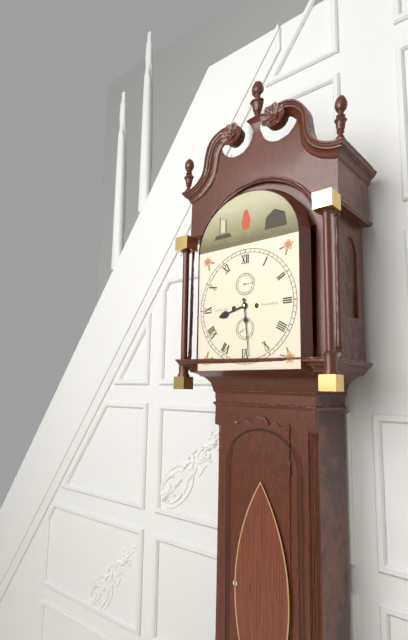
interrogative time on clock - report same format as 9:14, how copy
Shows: 8:29
